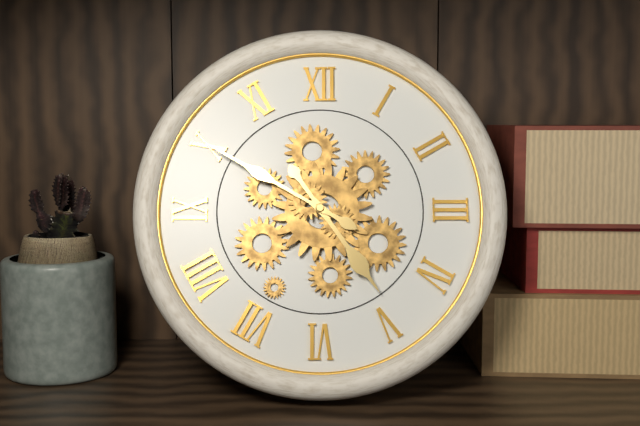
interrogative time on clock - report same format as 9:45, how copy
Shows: 4:50
